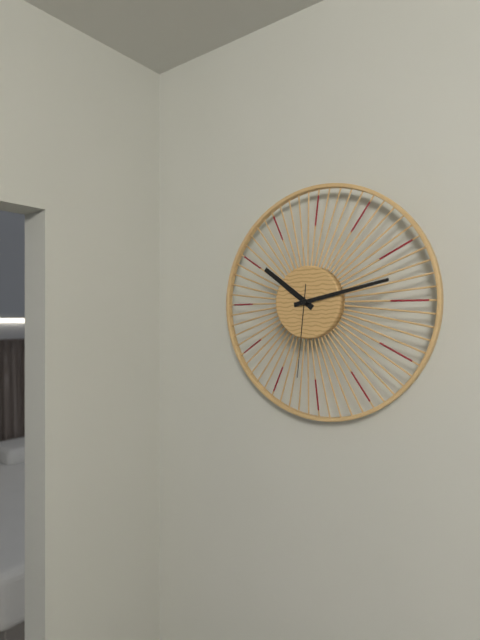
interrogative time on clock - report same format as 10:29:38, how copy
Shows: 10:13:31
